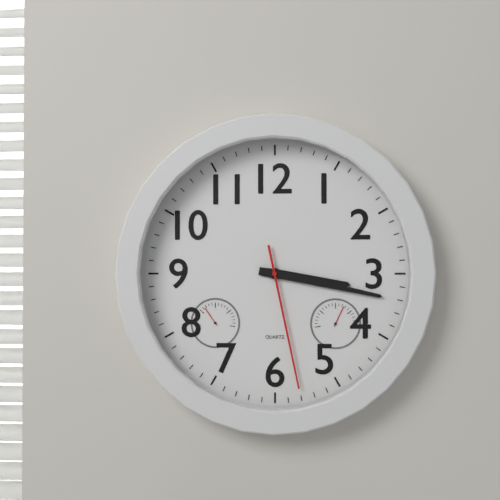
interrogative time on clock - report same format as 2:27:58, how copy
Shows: 3:17:28
